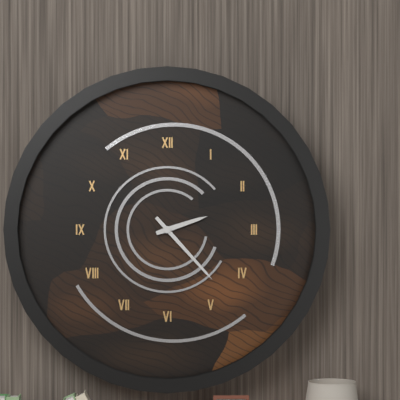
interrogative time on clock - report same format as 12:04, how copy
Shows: 2:23
